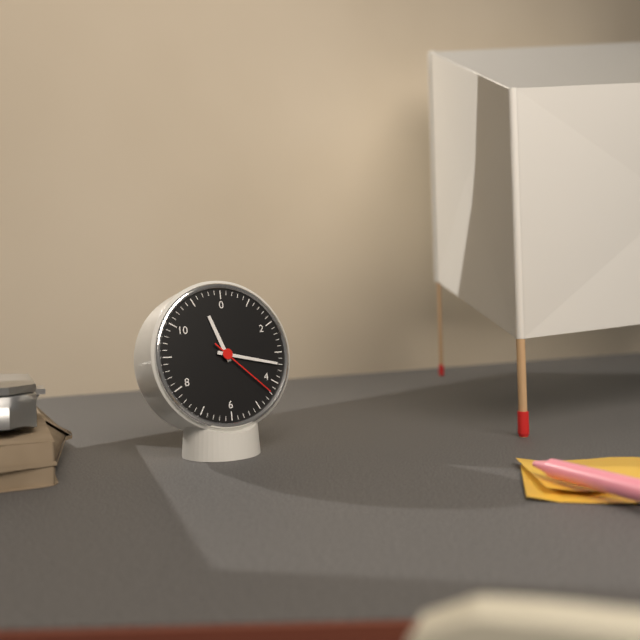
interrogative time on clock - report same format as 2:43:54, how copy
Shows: 11:17:22
